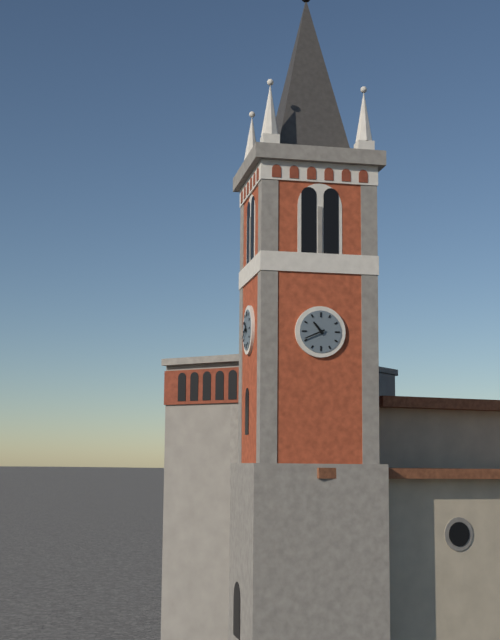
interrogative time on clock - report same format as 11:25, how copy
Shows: 10:41
